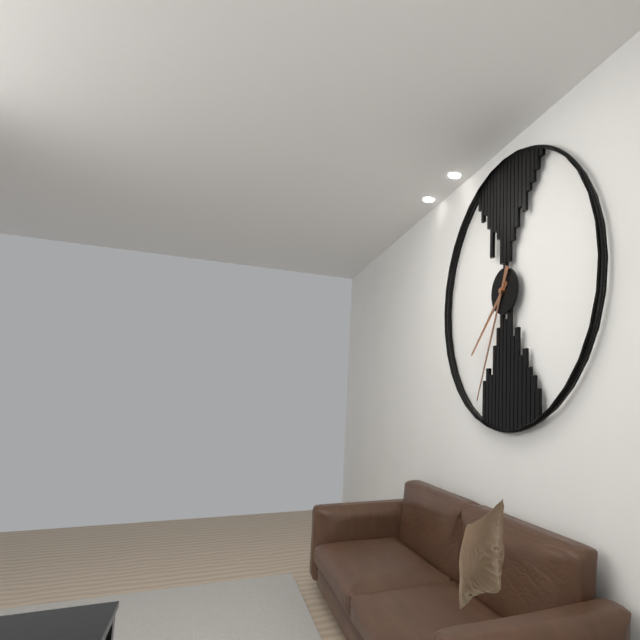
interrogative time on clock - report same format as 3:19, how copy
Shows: 7:34
